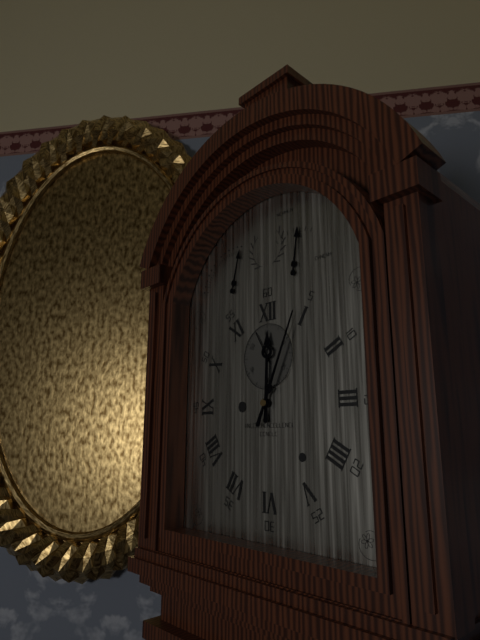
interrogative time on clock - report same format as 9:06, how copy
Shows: 12:04
